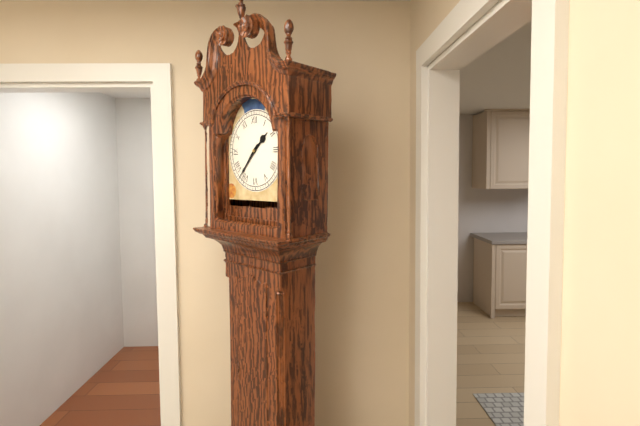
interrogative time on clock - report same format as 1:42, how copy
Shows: 1:37
